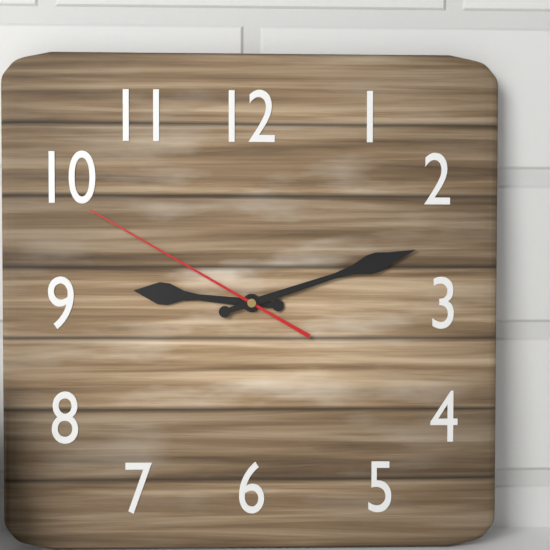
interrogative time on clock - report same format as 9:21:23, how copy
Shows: 9:12:50
